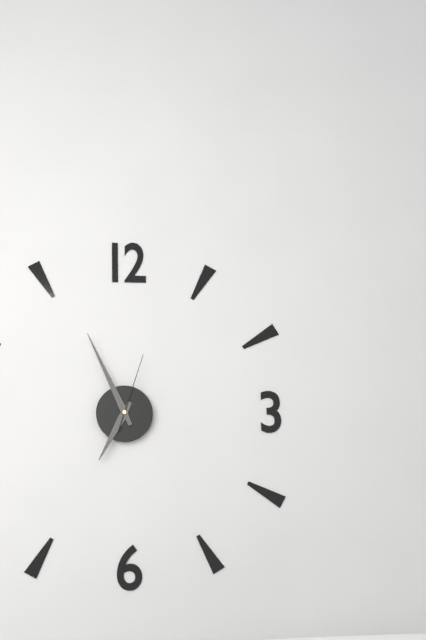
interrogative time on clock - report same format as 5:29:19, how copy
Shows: 6:56:03
